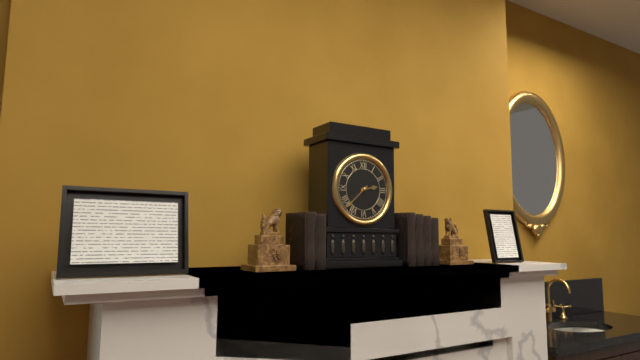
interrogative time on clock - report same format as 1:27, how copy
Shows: 2:38
